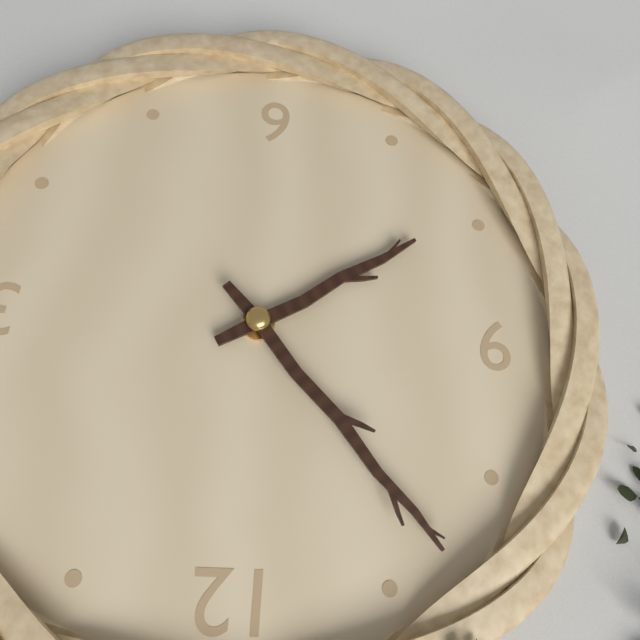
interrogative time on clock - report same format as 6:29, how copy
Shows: 7:53
